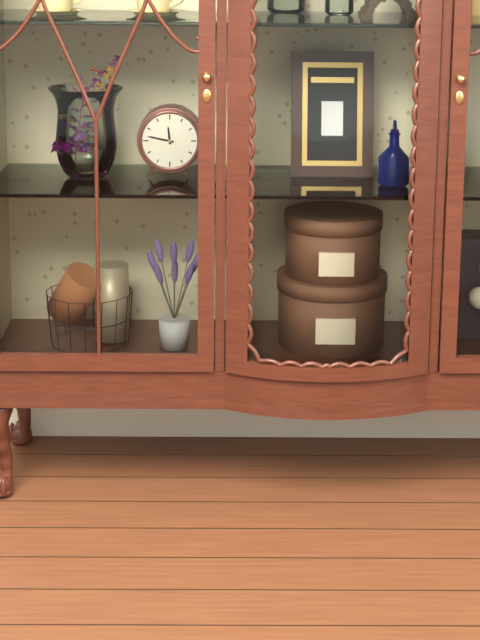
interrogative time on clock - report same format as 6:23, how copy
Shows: 11:47
